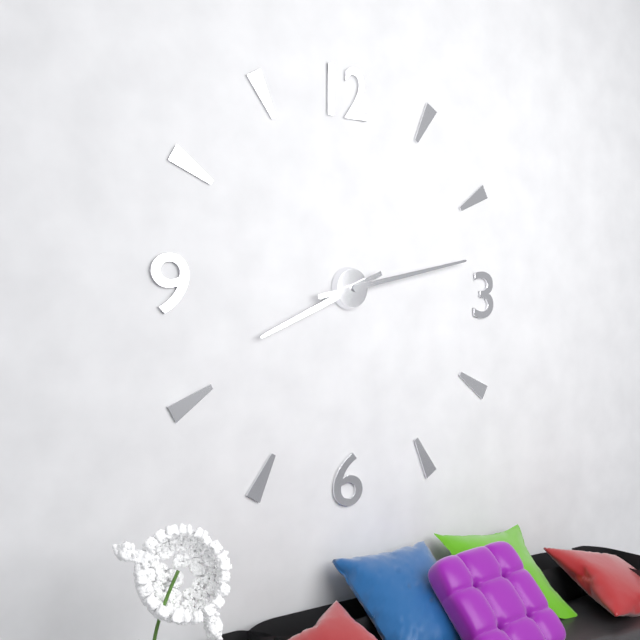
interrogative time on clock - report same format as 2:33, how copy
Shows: 8:13
